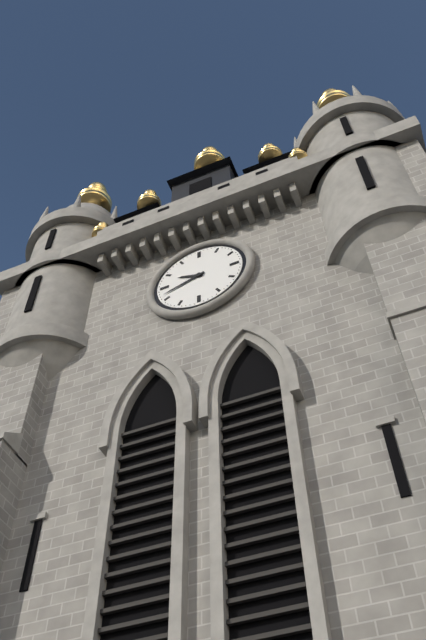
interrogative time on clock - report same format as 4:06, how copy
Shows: 9:42
